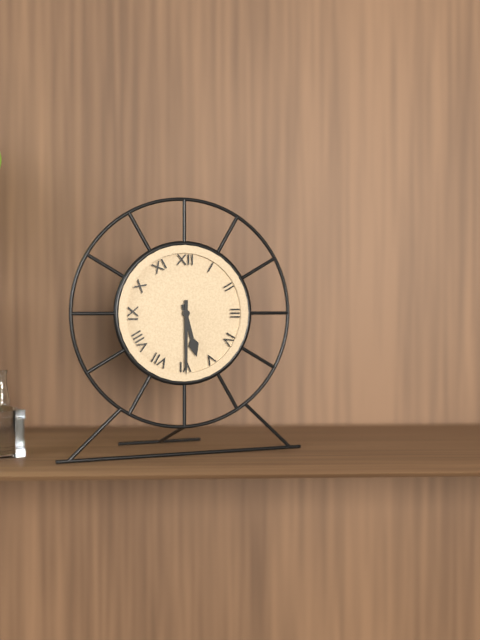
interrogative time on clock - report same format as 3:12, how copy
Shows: 5:30
